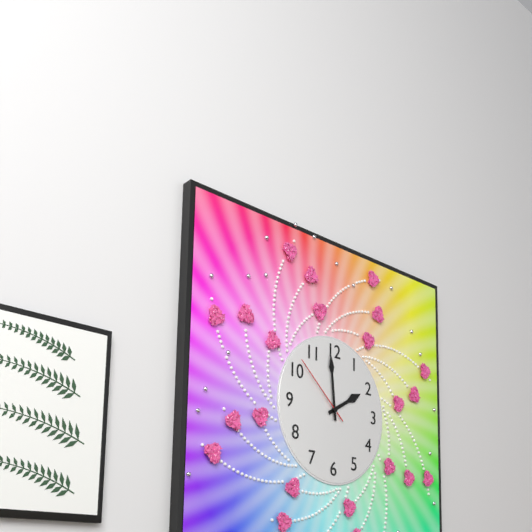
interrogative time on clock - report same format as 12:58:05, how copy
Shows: 1:59:52
